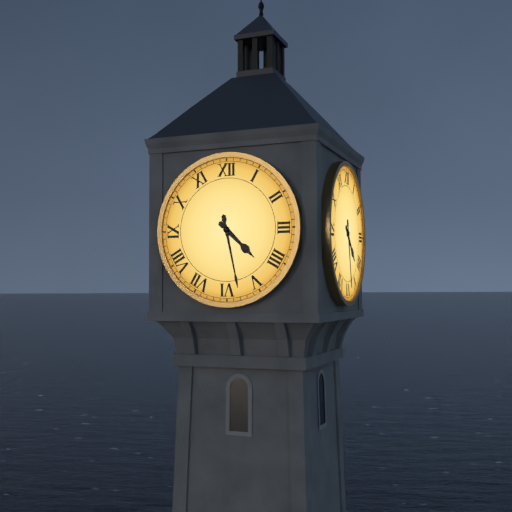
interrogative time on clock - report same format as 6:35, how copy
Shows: 4:28
